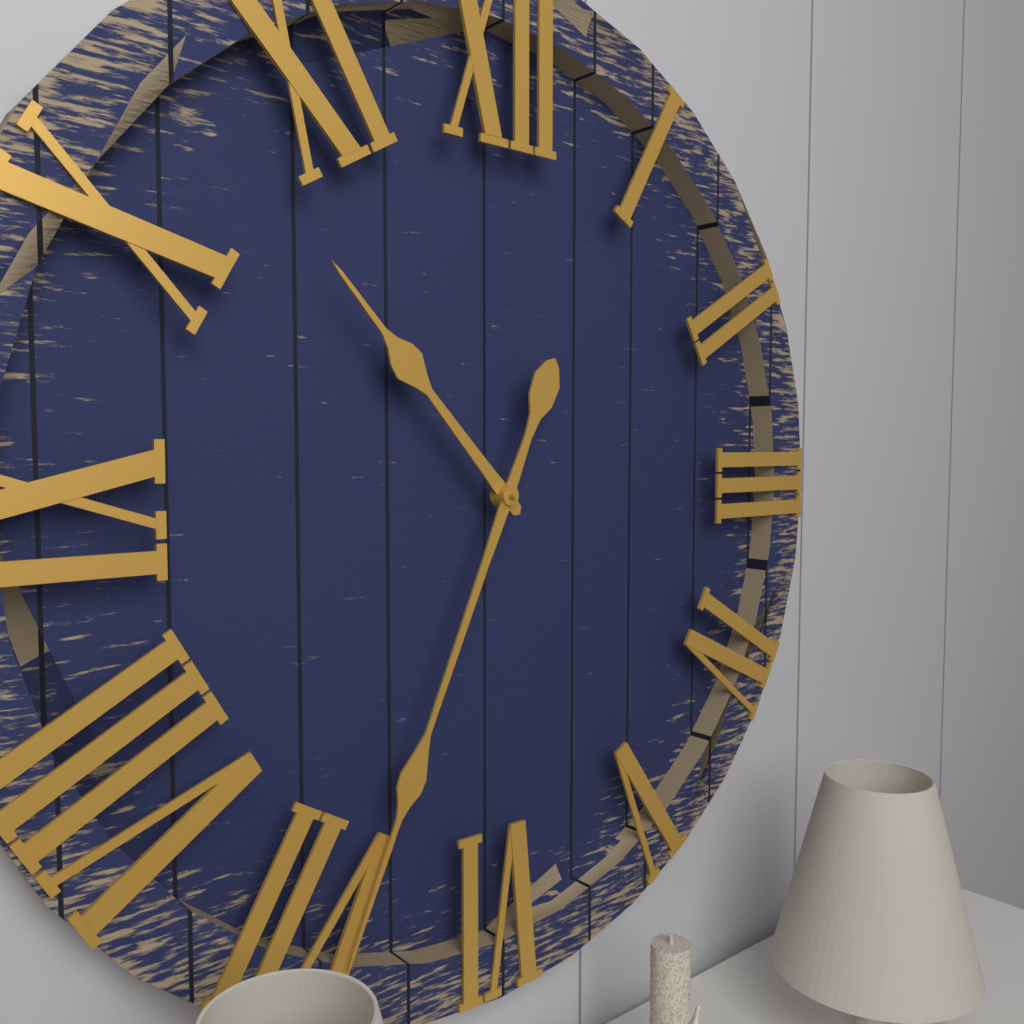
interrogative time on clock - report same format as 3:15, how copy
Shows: 10:34
